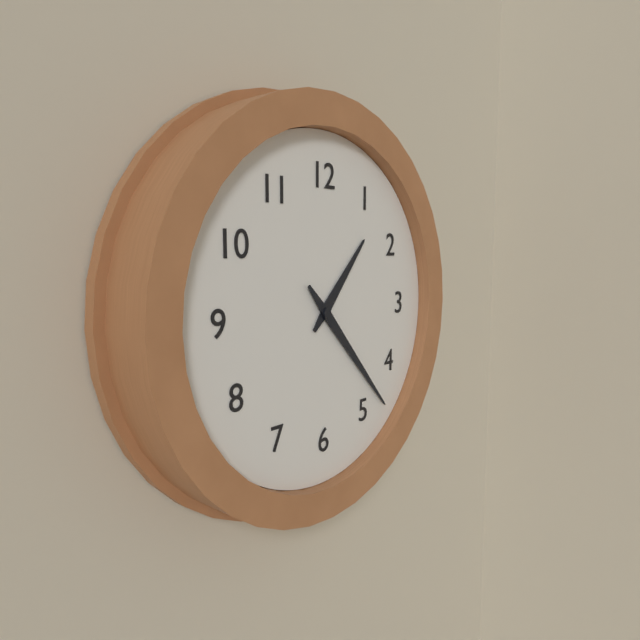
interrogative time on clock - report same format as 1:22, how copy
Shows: 1:23
